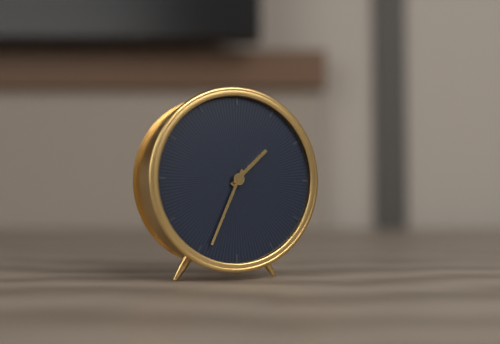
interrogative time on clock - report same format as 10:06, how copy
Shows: 1:34
